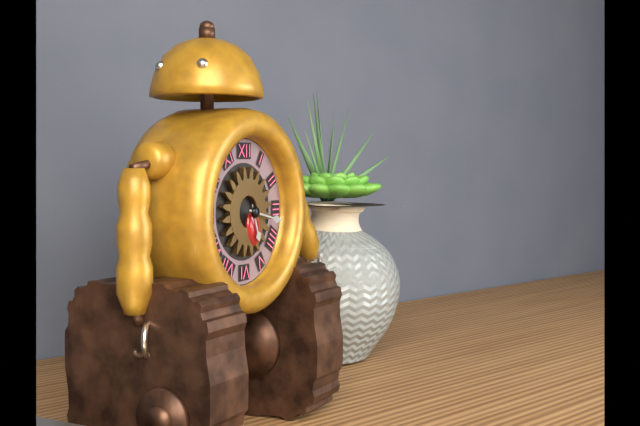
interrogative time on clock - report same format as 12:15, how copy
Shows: 5:17
